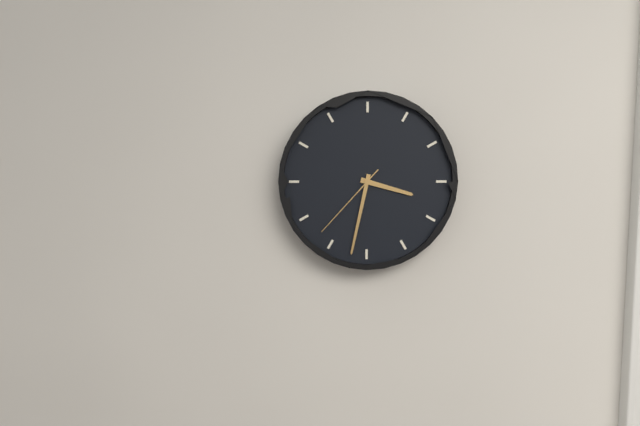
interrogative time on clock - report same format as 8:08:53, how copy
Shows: 3:32:37
